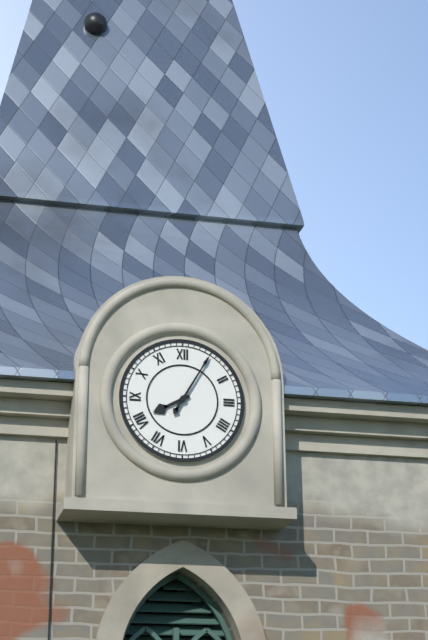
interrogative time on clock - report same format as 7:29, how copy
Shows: 8:05
